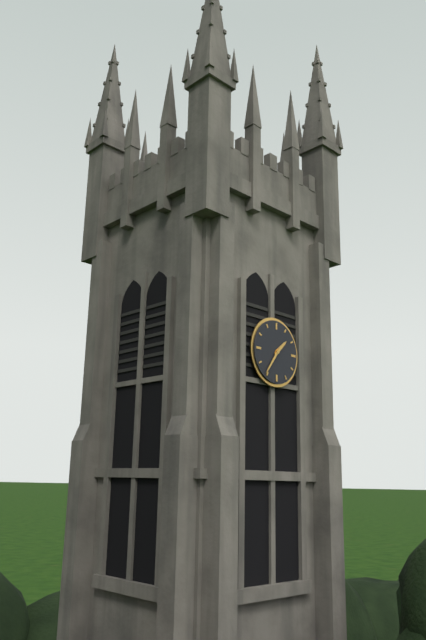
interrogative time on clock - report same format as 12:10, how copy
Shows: 1:36
